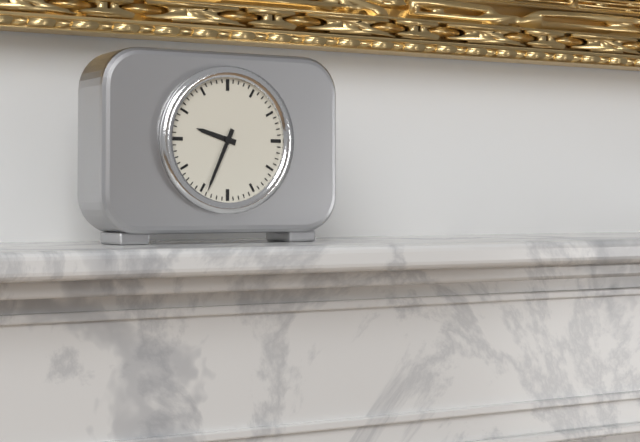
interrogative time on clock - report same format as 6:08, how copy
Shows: 9:34
